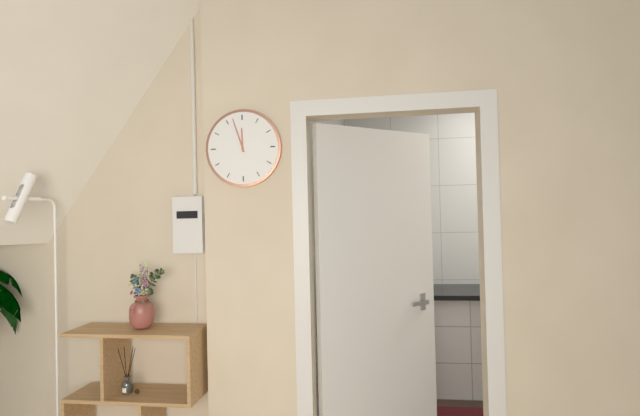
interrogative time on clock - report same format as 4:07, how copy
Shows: 11:57
